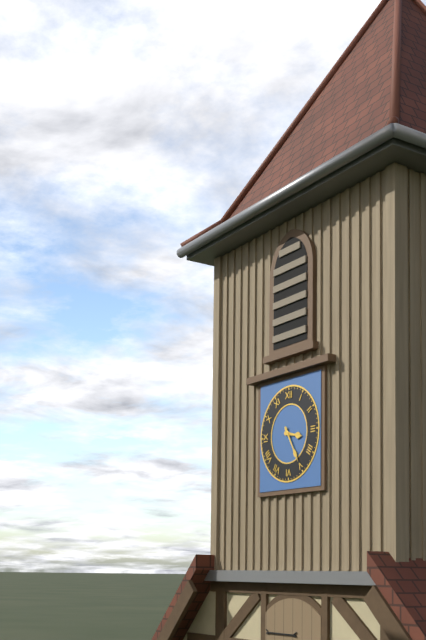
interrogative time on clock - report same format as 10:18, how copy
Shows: 3:25
